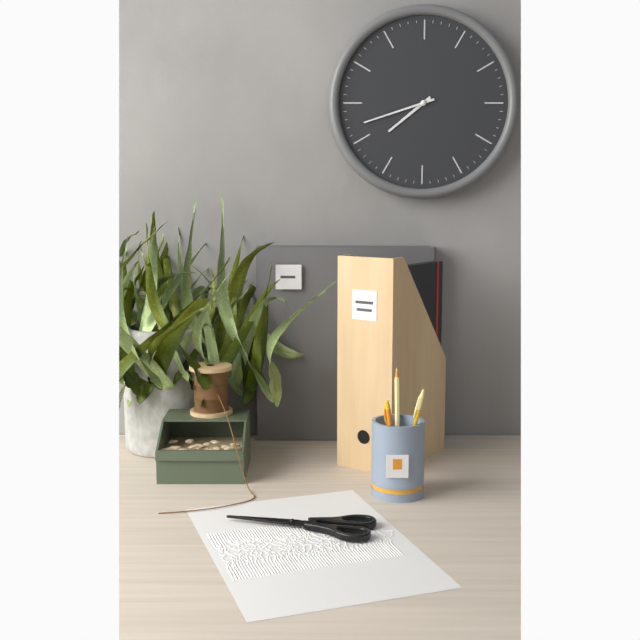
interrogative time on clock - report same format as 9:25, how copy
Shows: 7:42
